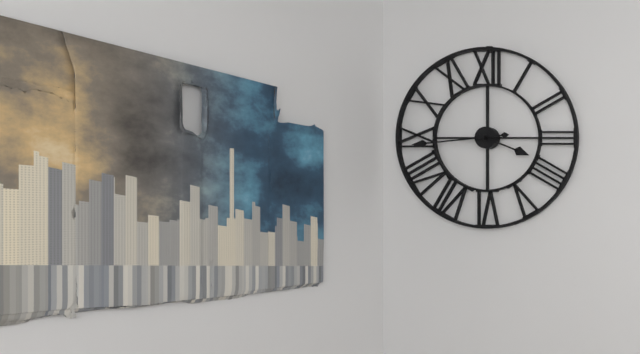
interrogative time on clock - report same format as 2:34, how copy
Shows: 3:44
